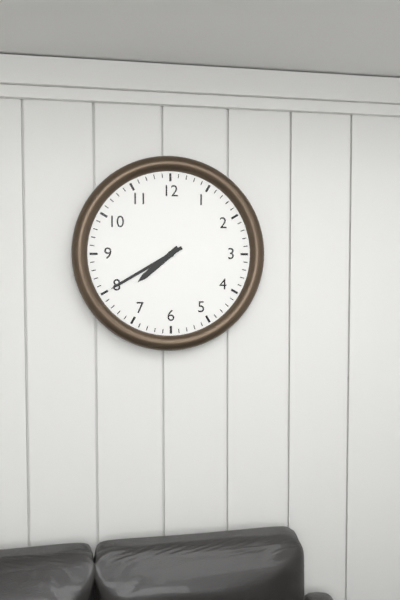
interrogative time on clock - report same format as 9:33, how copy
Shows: 7:40
